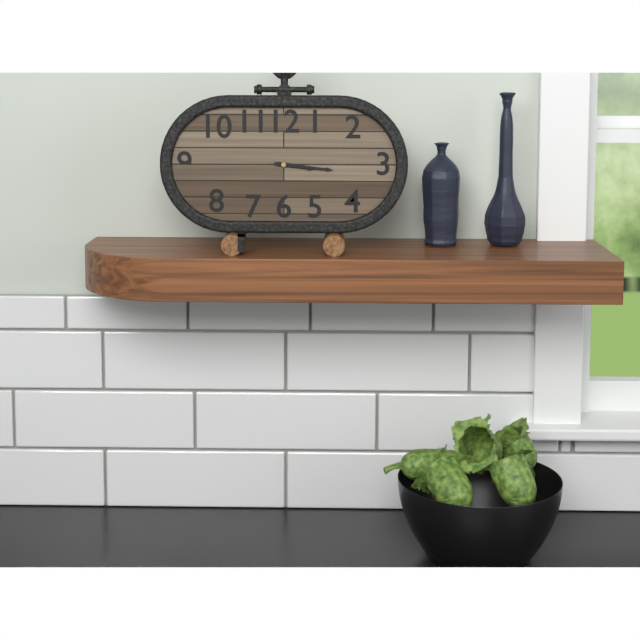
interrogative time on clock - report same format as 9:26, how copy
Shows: 3:16
